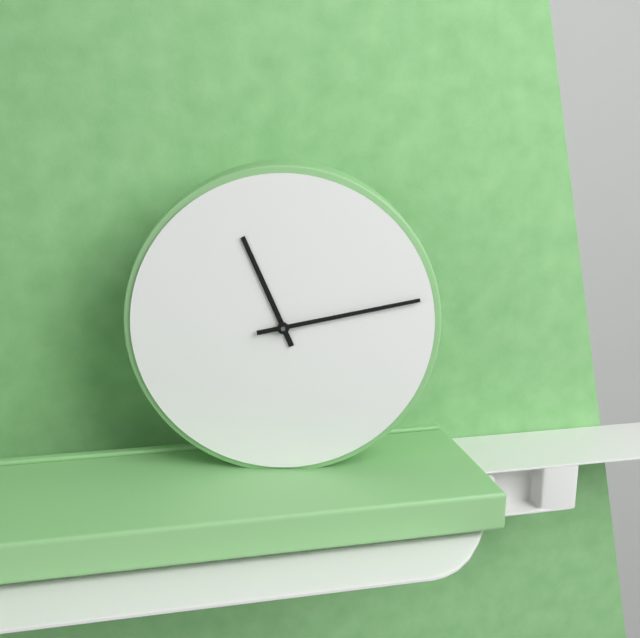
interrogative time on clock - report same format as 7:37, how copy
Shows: 11:13
